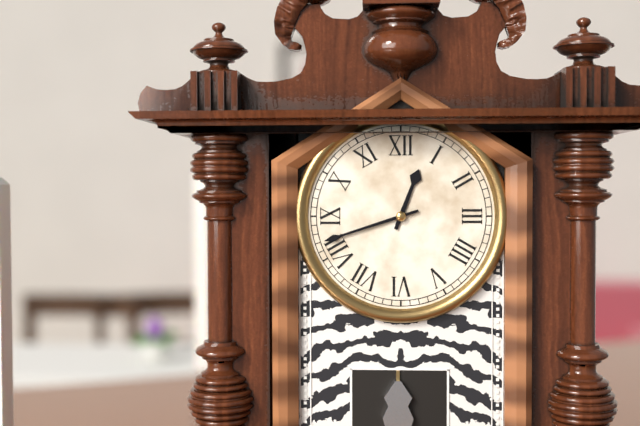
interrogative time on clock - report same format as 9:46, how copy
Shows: 12:42
